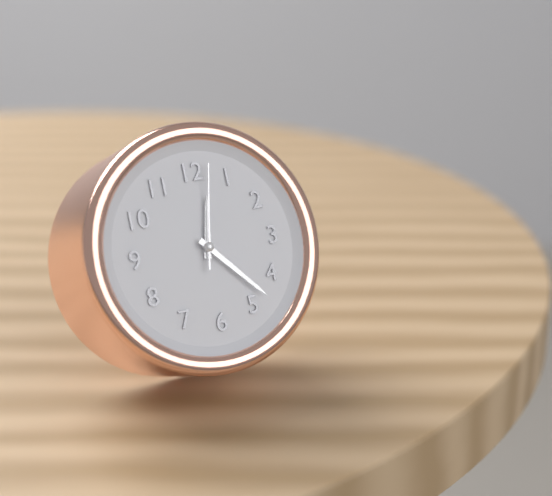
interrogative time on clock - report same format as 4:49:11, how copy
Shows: 12:23:02
